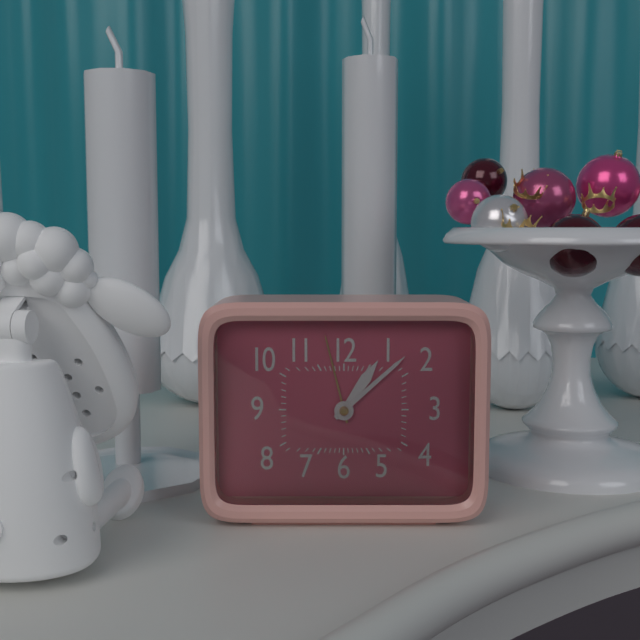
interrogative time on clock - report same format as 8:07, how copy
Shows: 1:08
